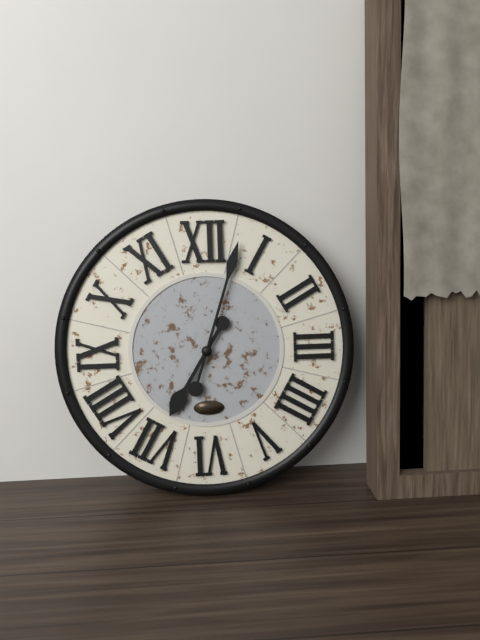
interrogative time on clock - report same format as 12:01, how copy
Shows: 7:03
